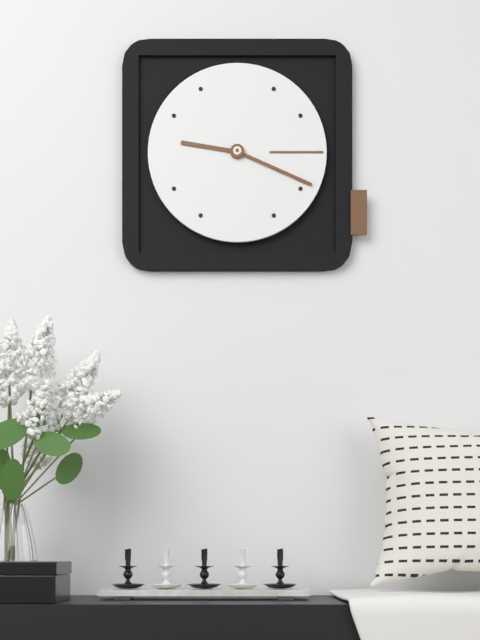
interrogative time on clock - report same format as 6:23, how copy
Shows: 9:19
